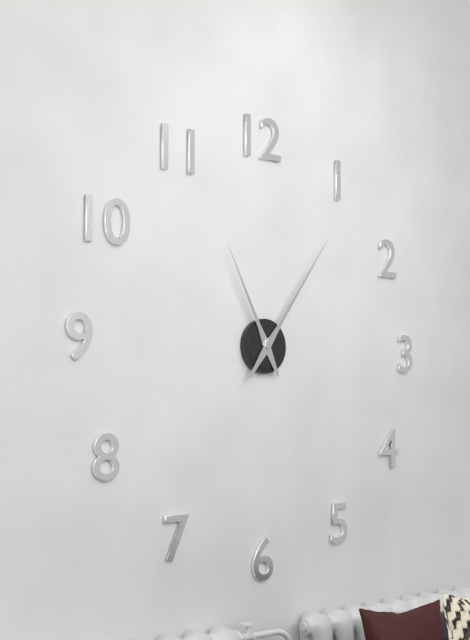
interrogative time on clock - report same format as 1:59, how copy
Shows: 11:06
